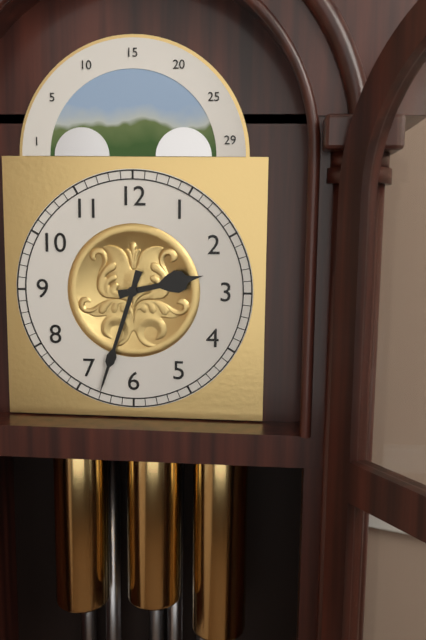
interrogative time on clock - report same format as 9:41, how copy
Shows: 2:33
